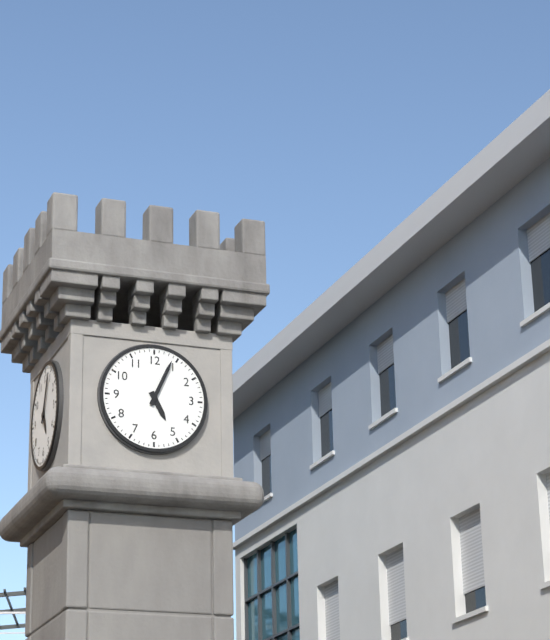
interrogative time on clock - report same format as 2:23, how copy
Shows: 5:04
